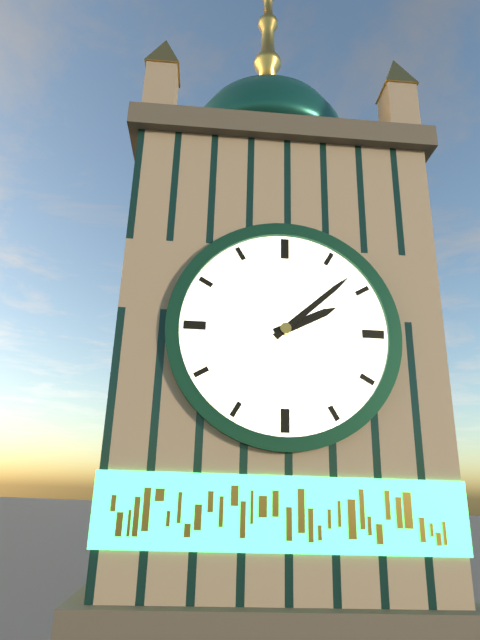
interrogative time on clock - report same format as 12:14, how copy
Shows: 2:08
